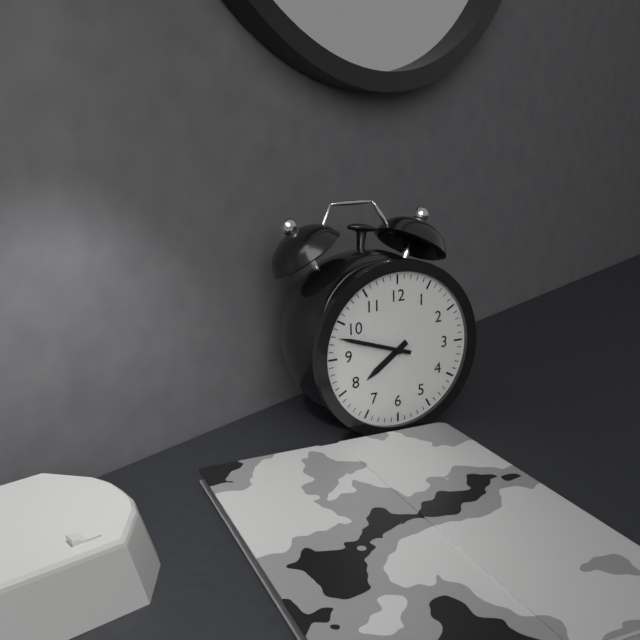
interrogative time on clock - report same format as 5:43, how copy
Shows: 7:48
